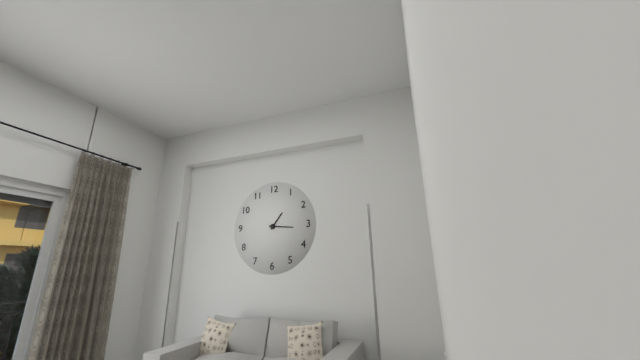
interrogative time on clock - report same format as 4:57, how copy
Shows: 1:16
